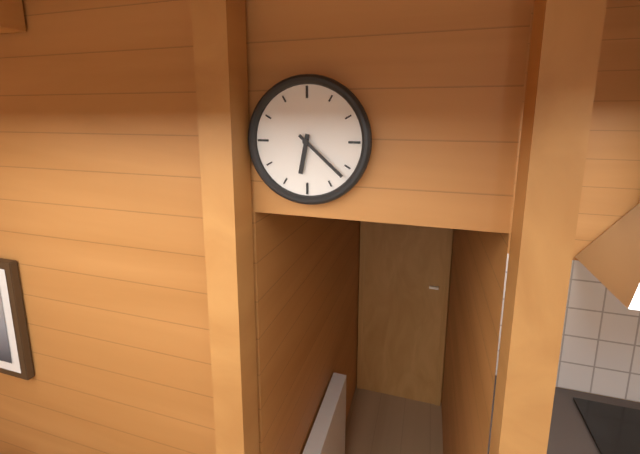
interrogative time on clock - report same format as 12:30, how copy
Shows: 6:22
